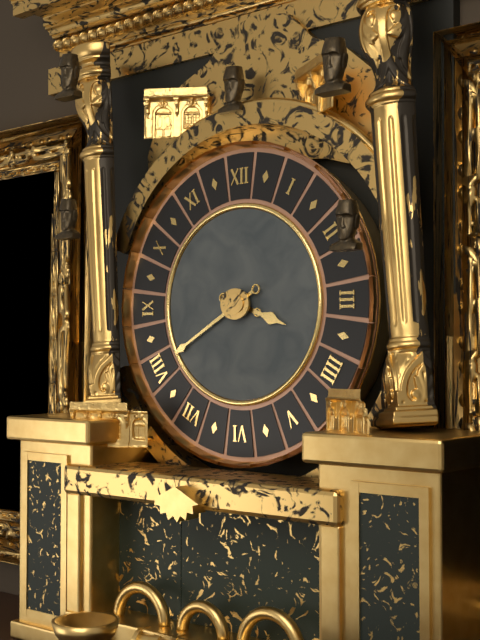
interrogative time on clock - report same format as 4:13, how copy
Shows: 3:40
